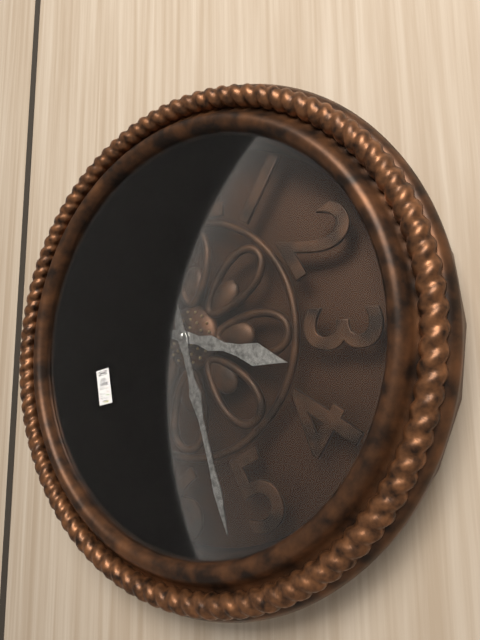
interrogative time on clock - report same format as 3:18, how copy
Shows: 3:27
